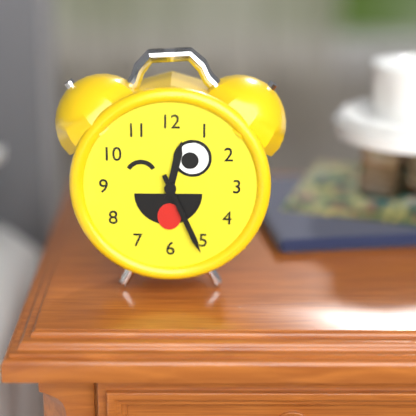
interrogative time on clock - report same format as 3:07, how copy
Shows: 12:26
